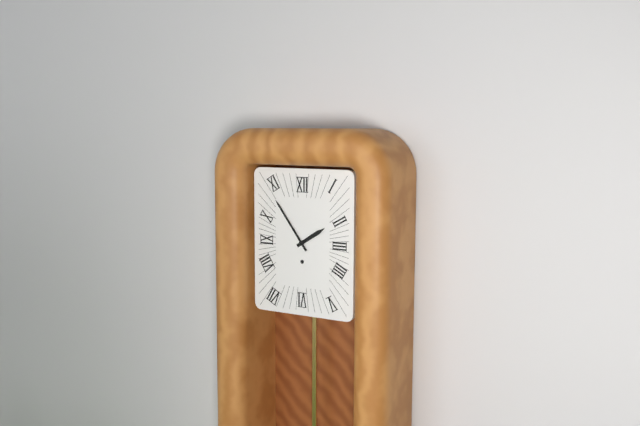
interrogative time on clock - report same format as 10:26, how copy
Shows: 1:54
